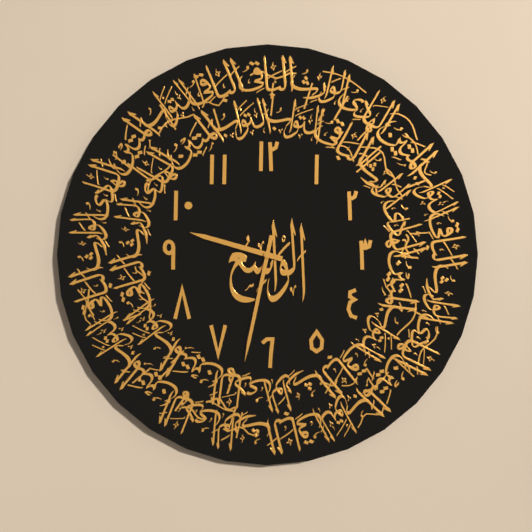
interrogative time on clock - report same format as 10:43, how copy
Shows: 9:32
